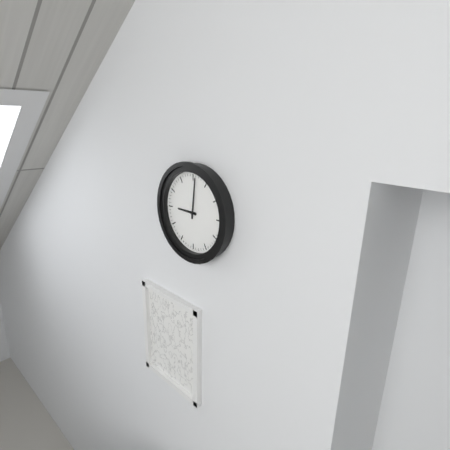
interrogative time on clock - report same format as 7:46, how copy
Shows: 9:01
